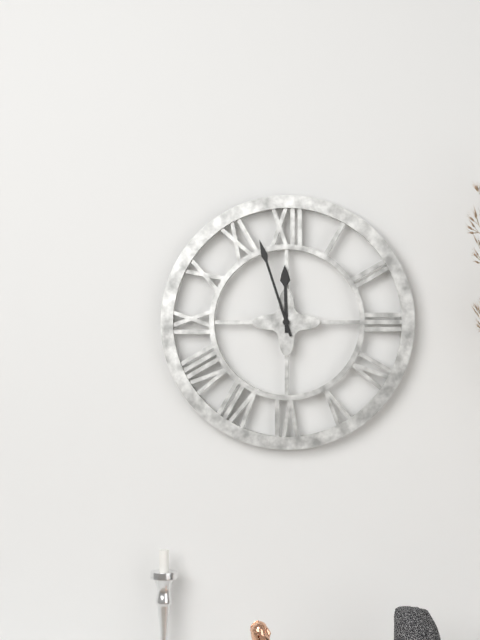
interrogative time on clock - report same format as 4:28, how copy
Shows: 11:57
